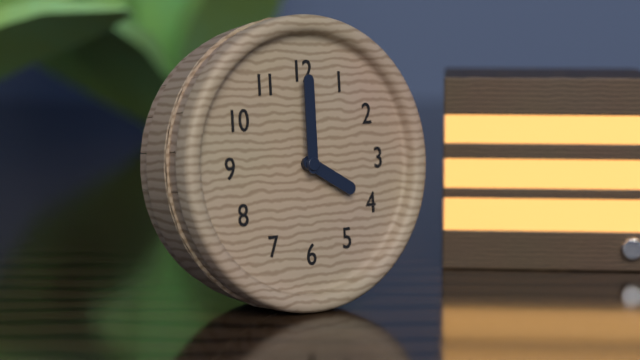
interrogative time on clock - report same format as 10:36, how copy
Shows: 4:00
